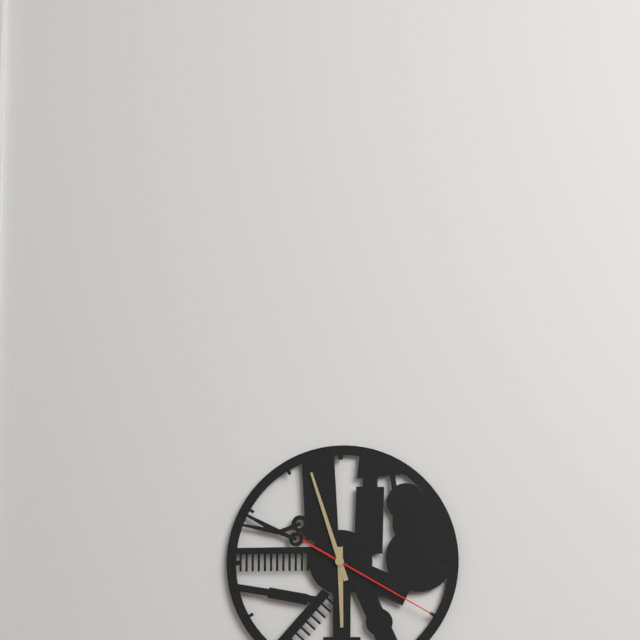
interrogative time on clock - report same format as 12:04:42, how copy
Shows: 5:57:20
